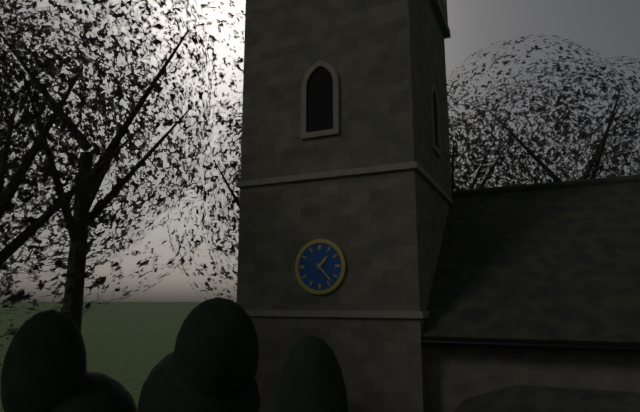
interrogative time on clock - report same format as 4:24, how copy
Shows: 1:23
